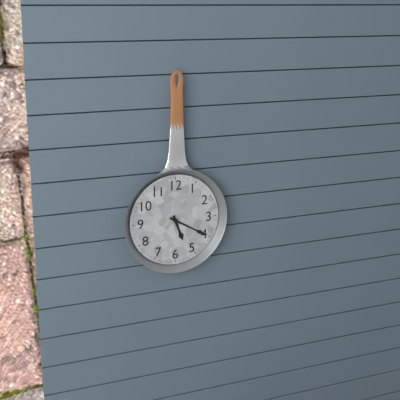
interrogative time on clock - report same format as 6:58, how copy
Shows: 5:20
